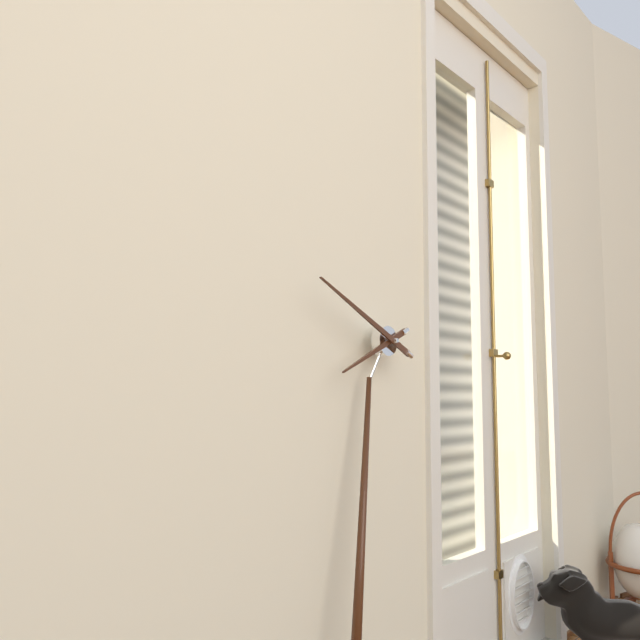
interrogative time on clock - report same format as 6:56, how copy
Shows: 7:47
